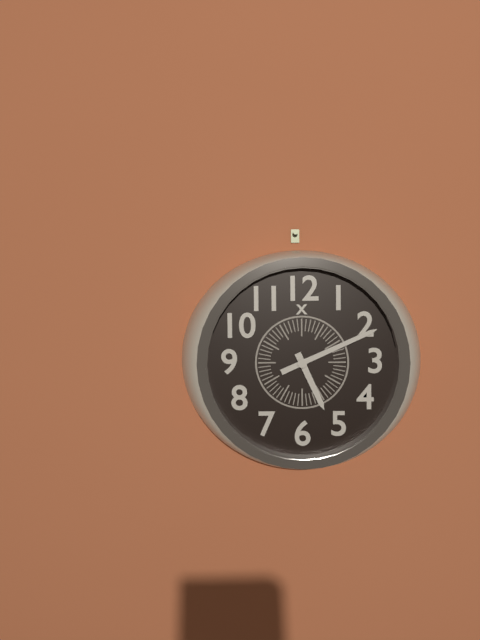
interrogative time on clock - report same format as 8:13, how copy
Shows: 5:11
